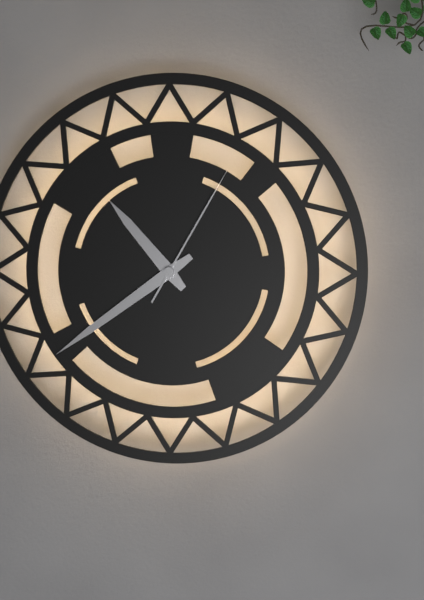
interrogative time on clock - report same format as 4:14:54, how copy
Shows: 10:39:05
